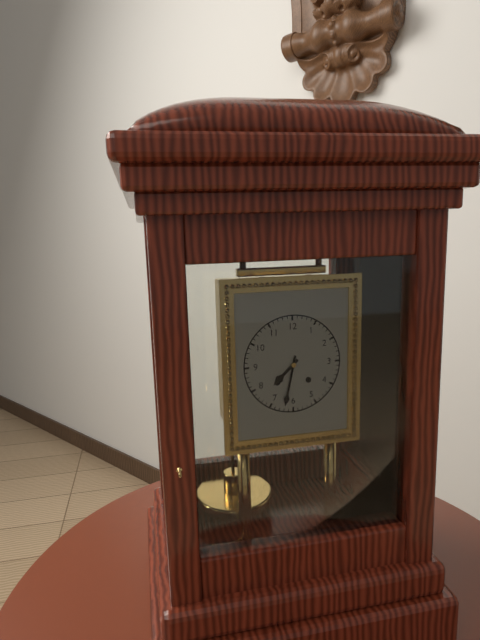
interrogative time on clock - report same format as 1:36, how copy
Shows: 7:32
